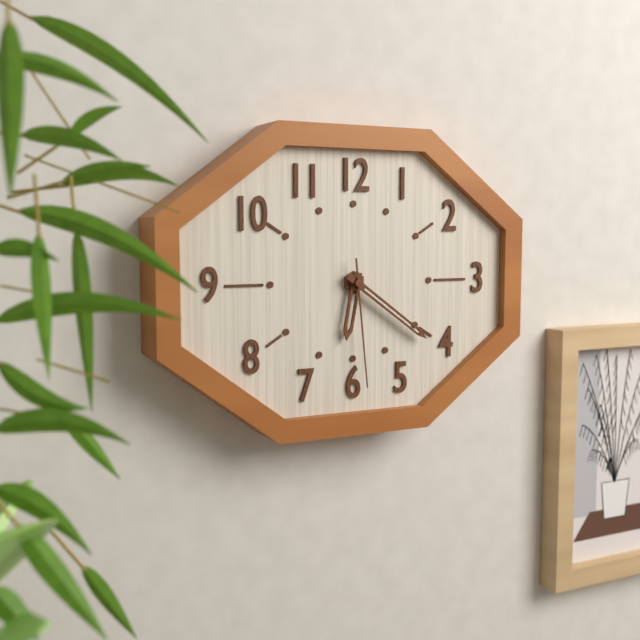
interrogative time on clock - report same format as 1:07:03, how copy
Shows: 6:21:29
